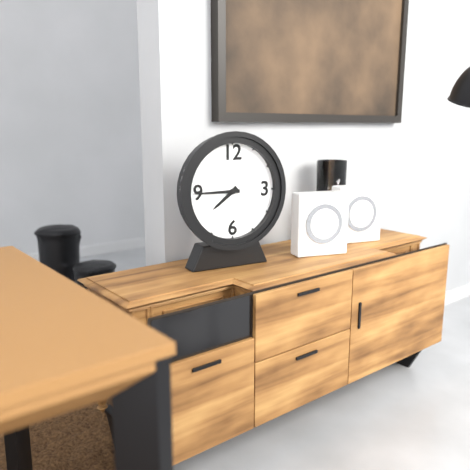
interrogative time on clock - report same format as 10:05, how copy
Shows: 7:45
